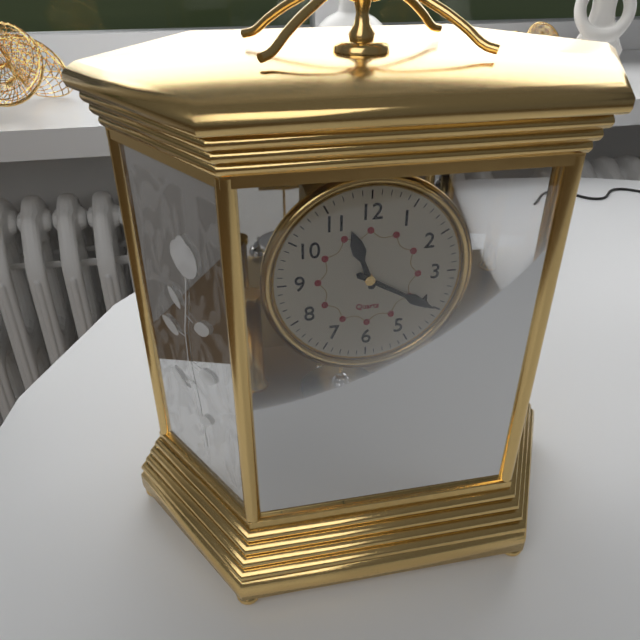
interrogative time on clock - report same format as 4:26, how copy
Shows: 11:20
